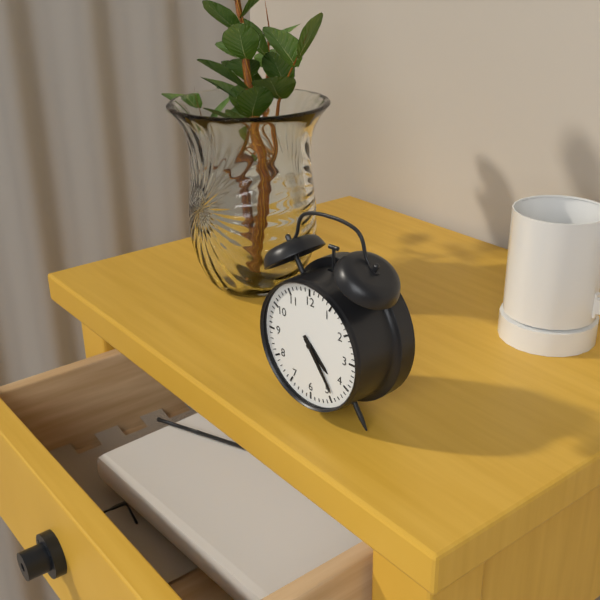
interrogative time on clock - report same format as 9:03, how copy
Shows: 4:24
